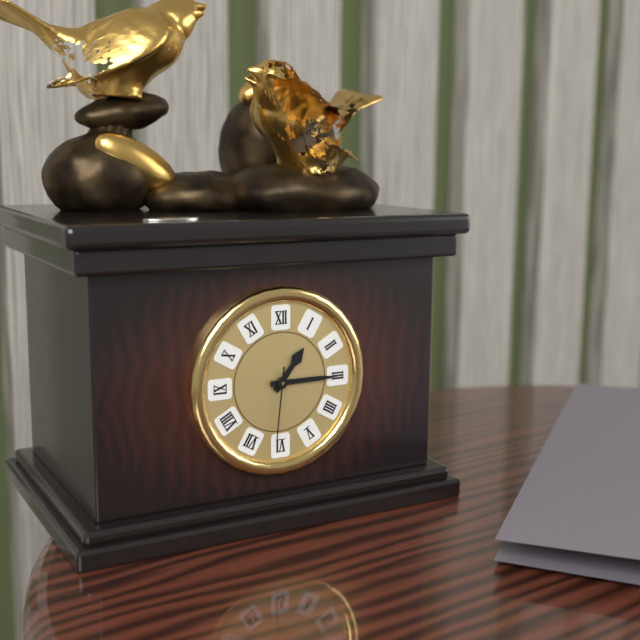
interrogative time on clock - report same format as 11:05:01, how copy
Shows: 1:15:31
